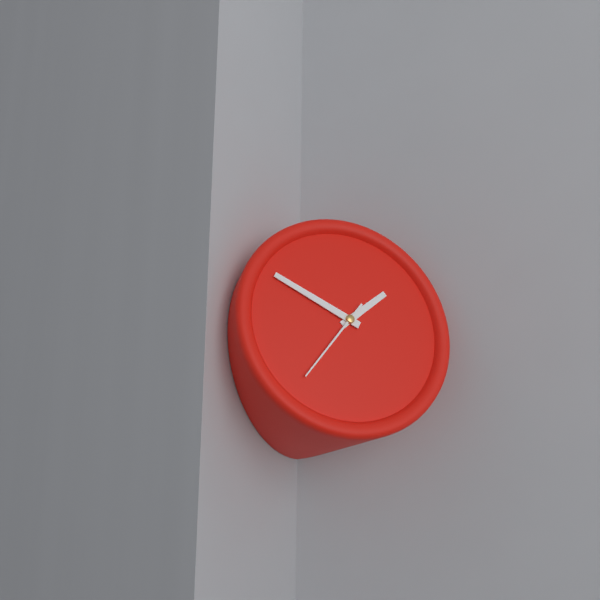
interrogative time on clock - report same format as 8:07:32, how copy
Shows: 1:50:37
